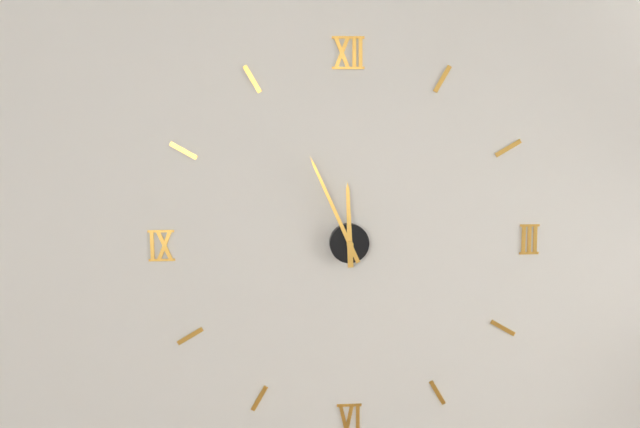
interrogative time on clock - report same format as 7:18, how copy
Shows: 11:56
